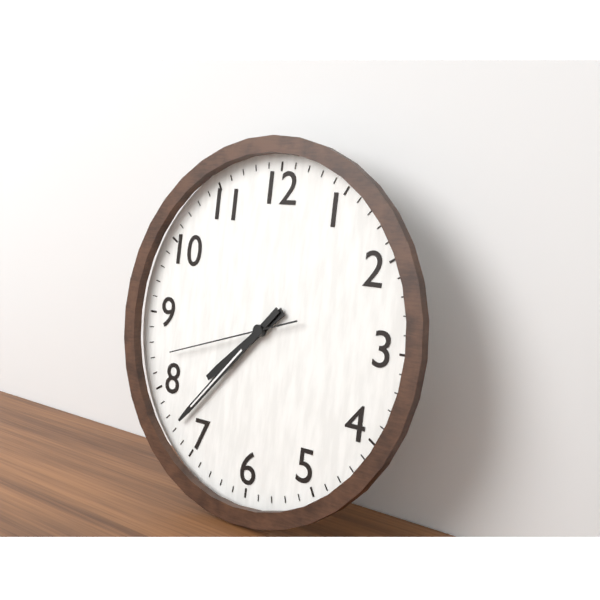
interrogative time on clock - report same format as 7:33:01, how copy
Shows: 7:37:42
